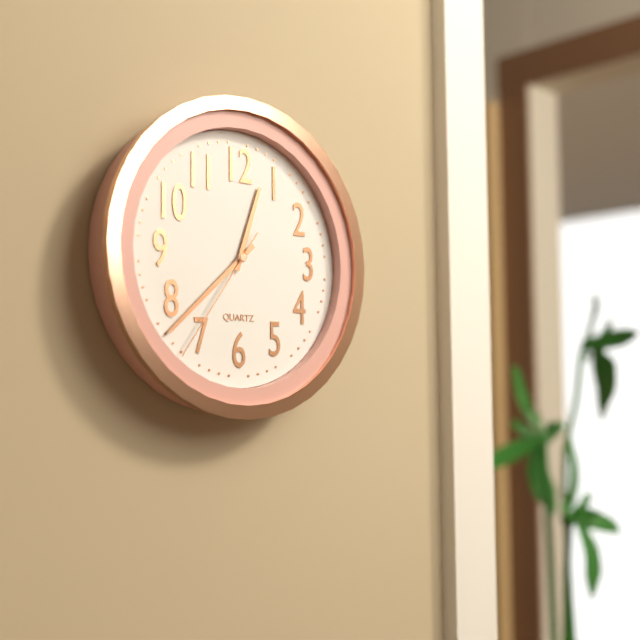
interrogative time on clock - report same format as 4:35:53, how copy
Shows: 12:38:36
